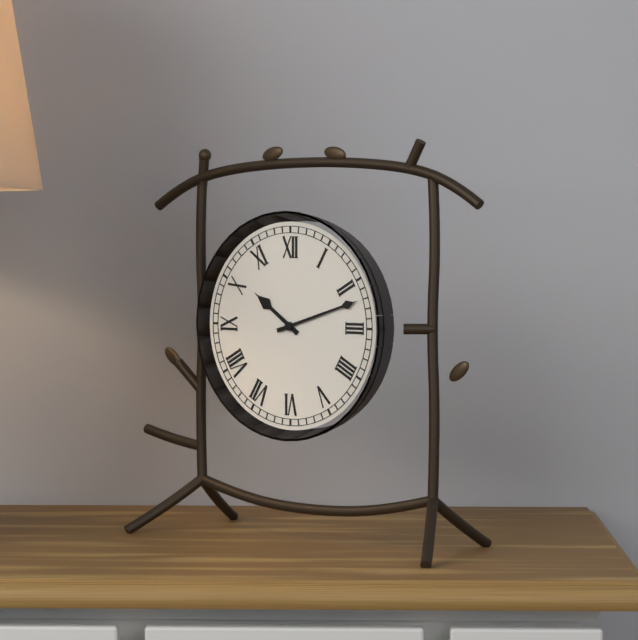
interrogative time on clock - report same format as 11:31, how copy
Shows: 10:12
